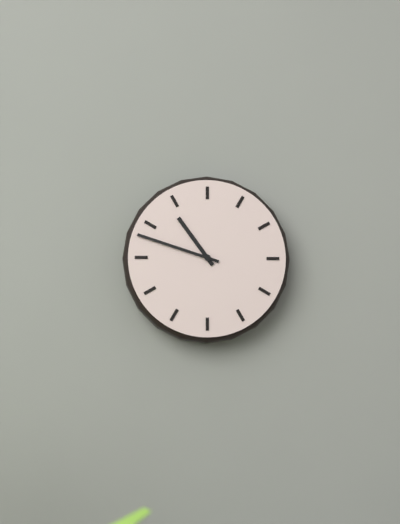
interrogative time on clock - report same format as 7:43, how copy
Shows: 10:48
